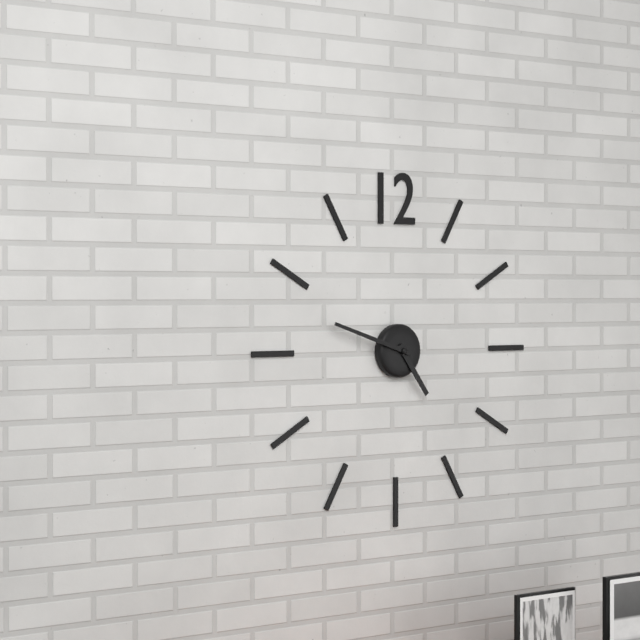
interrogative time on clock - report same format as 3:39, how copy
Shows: 4:48
